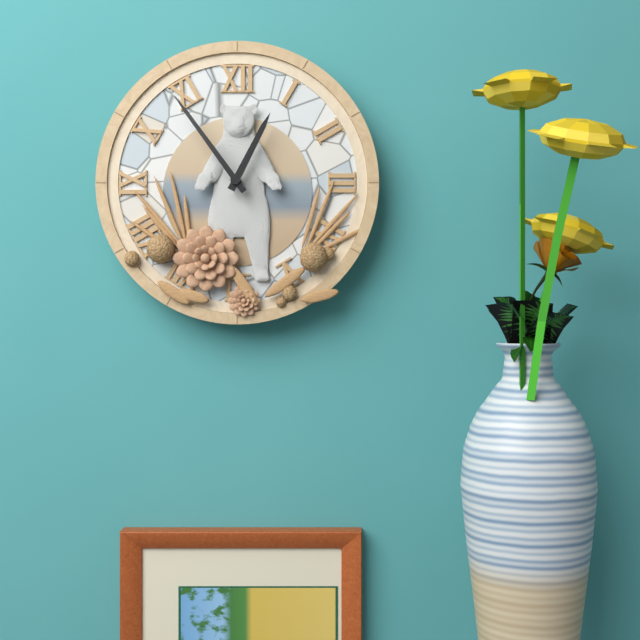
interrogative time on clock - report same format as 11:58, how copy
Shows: 12:54
